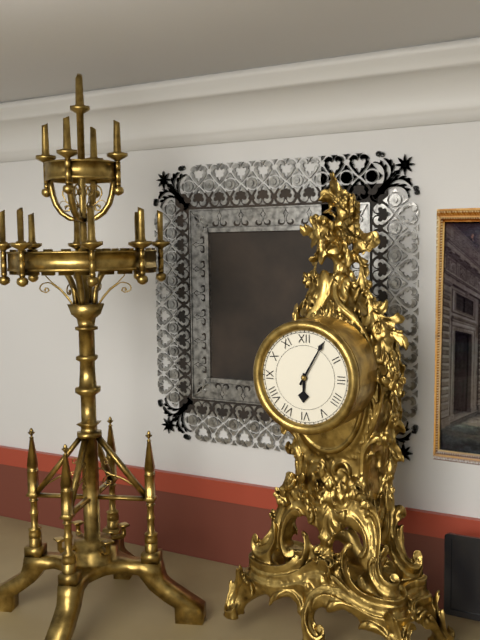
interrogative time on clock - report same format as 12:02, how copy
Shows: 6:05
